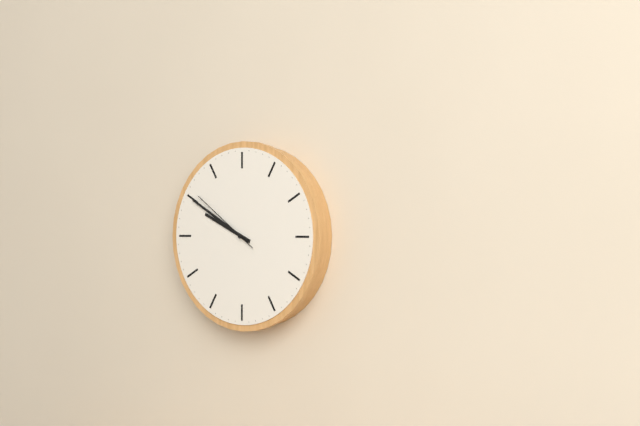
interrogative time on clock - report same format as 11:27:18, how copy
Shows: 9:50:51
